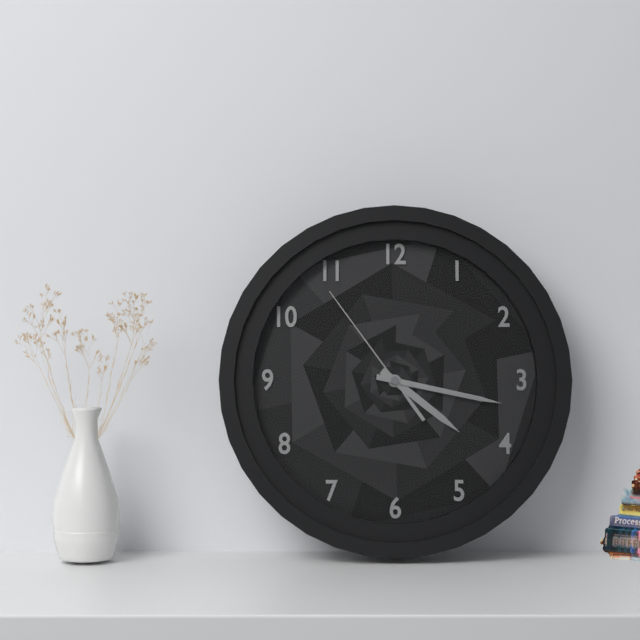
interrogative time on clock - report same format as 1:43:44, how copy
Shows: 4:17:54
